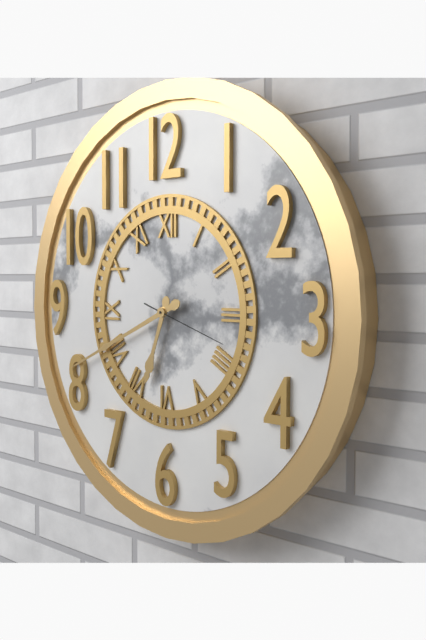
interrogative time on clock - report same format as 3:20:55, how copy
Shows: 6:41:18
